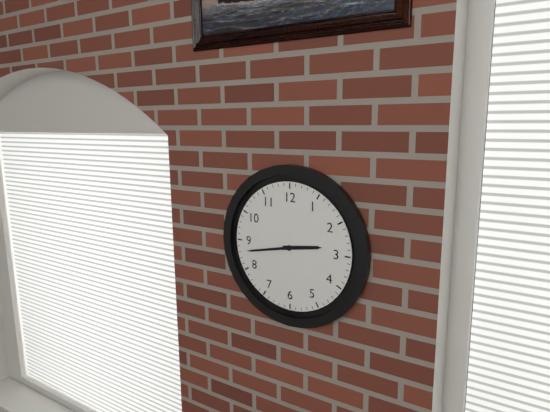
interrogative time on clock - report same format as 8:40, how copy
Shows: 2:43
